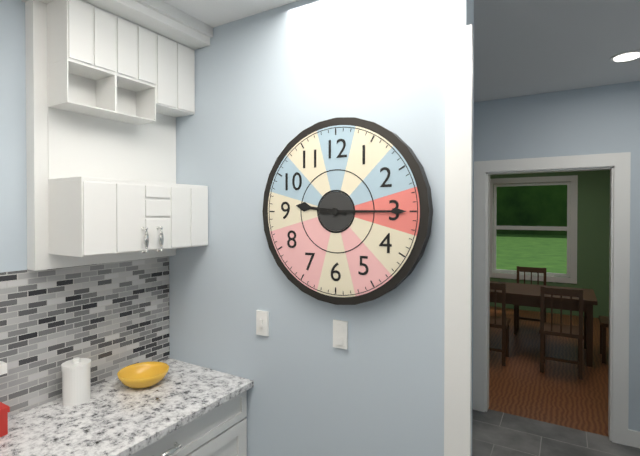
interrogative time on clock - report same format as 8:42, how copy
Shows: 9:15
